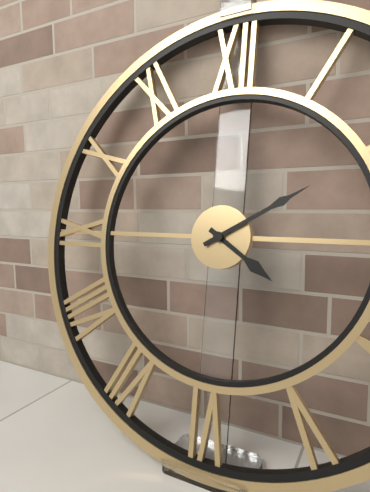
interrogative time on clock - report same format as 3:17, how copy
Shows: 4:10
